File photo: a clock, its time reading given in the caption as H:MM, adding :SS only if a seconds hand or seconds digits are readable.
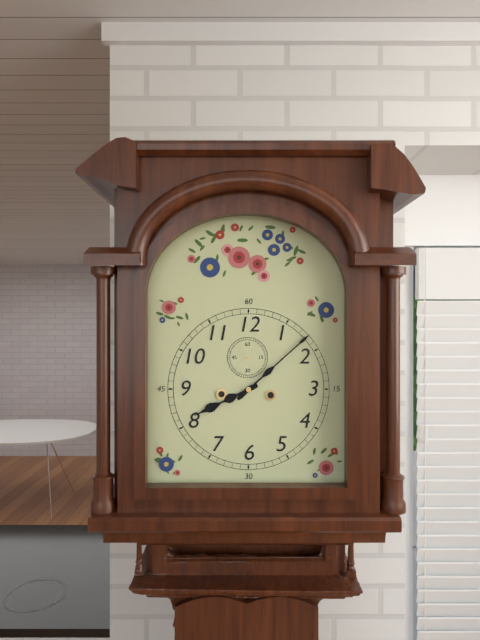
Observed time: 8:08
